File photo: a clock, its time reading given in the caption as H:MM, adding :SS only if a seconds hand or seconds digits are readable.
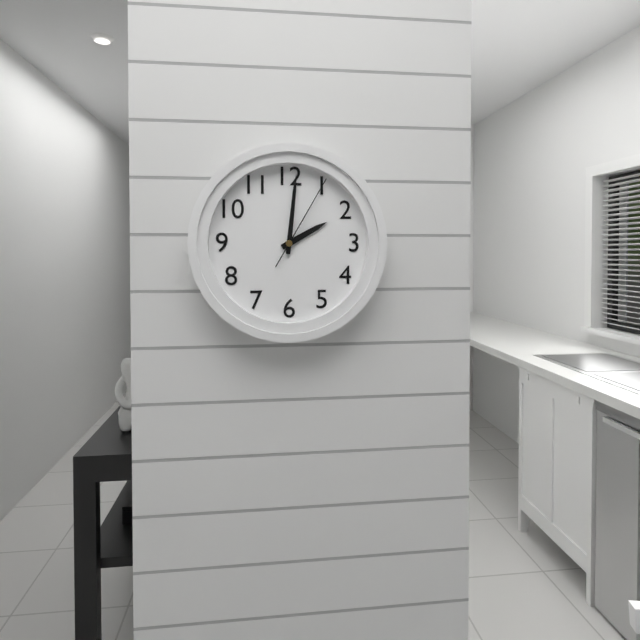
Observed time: 2:01:05
